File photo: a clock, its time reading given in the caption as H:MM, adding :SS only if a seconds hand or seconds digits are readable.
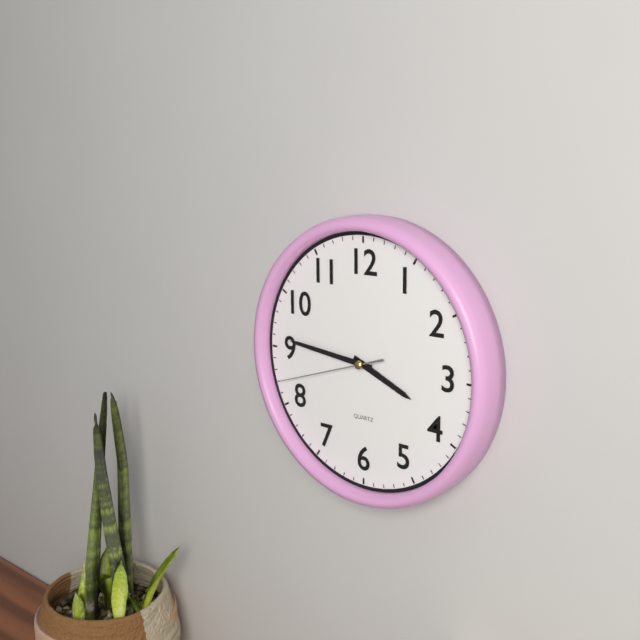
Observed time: 3:46:42
